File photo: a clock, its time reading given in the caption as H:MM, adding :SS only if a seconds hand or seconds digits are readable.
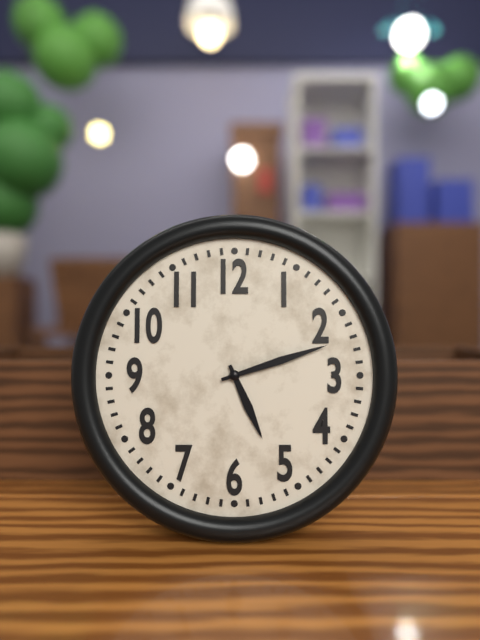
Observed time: 5:12
